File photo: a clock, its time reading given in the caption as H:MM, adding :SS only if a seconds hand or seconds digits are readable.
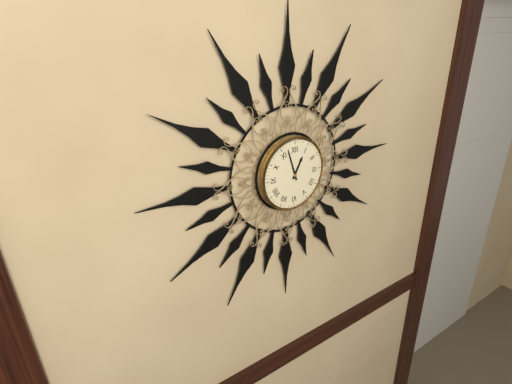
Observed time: 12:57
